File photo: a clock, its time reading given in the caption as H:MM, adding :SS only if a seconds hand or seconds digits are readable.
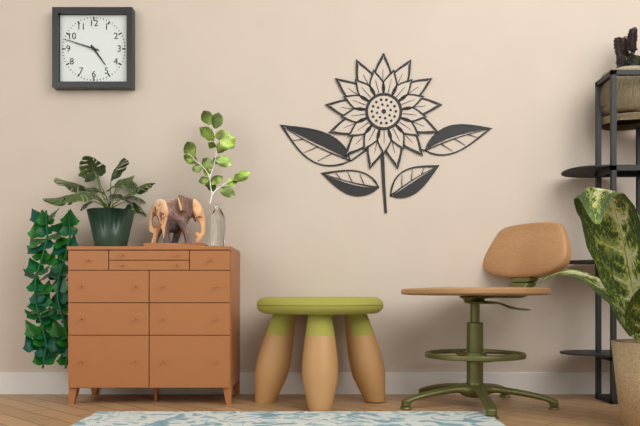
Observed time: 4:48
